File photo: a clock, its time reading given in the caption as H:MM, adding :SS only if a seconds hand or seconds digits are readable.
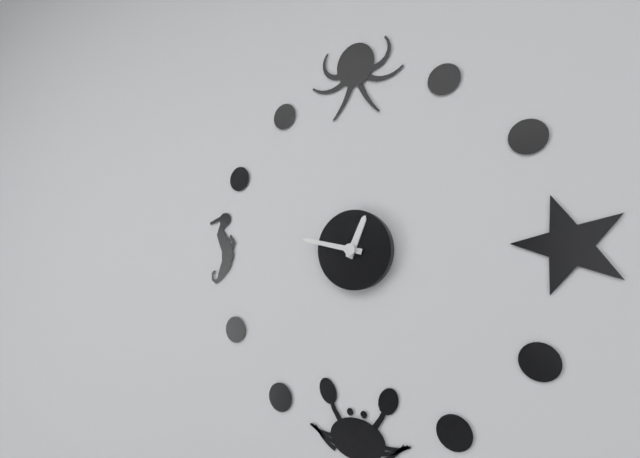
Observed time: 12:47
